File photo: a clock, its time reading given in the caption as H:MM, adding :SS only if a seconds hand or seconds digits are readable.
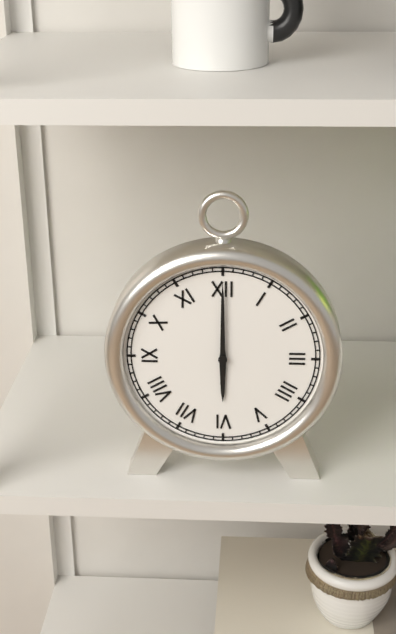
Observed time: 6:00
